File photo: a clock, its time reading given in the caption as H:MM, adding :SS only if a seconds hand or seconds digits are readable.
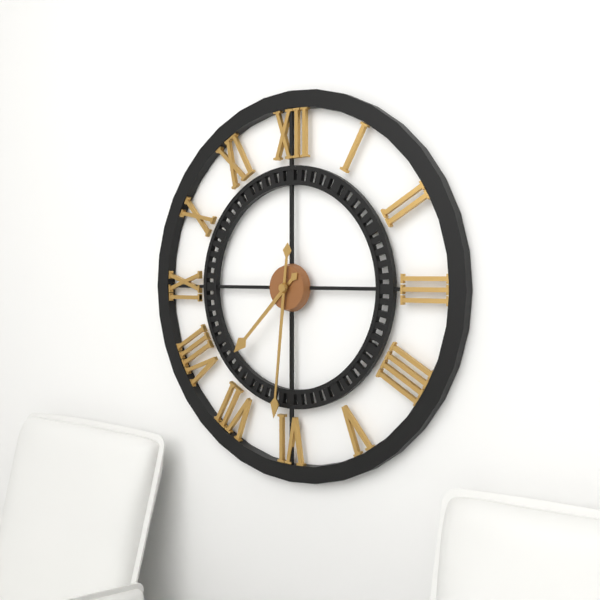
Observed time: 7:31
